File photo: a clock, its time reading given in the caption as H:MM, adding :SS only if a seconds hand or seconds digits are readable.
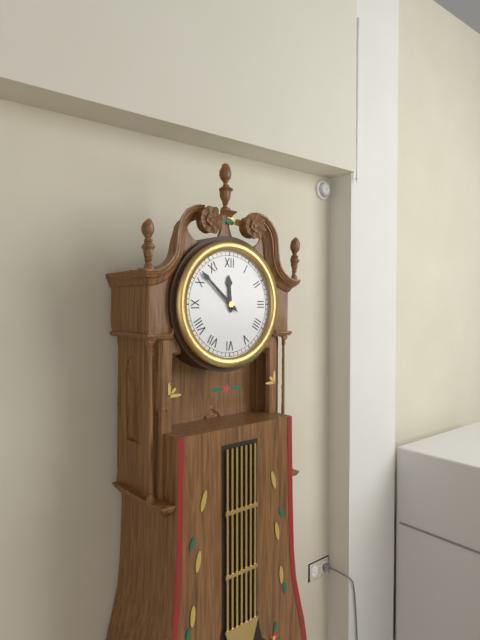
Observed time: 11:52
